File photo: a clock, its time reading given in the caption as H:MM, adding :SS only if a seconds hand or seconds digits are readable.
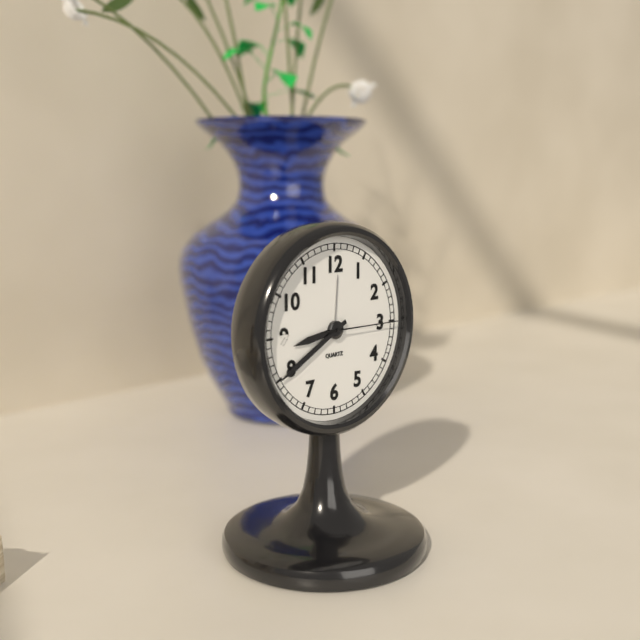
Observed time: 8:40:15
